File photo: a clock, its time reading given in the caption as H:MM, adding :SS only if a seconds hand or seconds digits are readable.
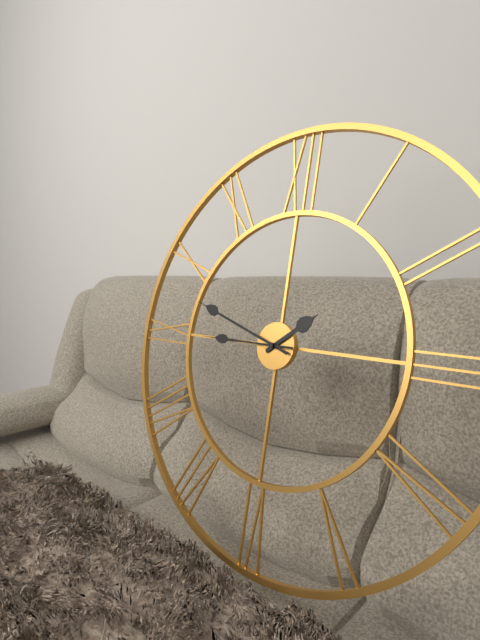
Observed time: 1:48:45
